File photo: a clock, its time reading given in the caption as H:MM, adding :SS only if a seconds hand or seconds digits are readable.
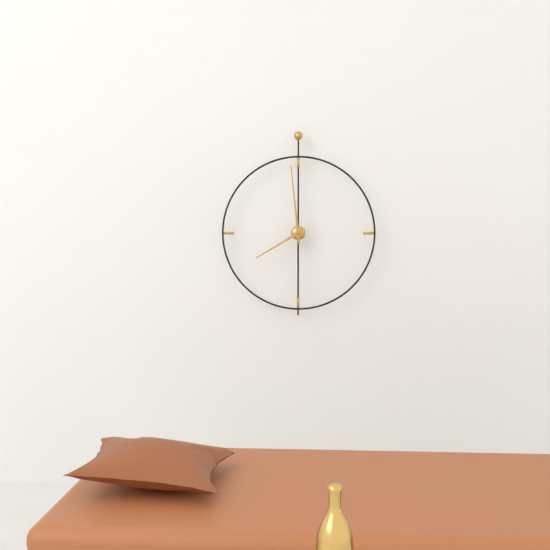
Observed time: 7:59
